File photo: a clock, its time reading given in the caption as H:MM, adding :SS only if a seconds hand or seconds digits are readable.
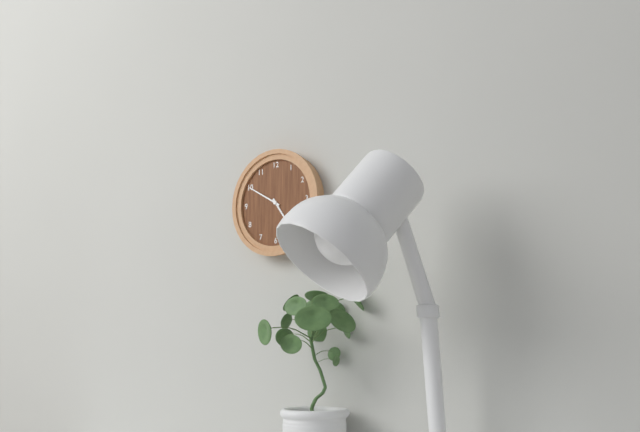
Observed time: 4:50
